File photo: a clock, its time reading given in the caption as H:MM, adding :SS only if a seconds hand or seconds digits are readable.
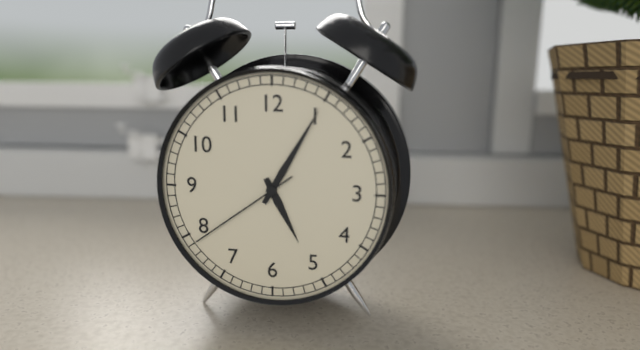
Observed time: 5:05:39
